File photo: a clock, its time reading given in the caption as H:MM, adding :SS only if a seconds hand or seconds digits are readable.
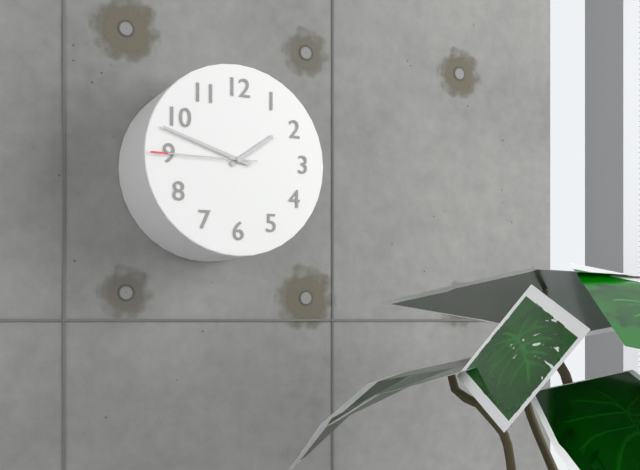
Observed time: 1:48:45
